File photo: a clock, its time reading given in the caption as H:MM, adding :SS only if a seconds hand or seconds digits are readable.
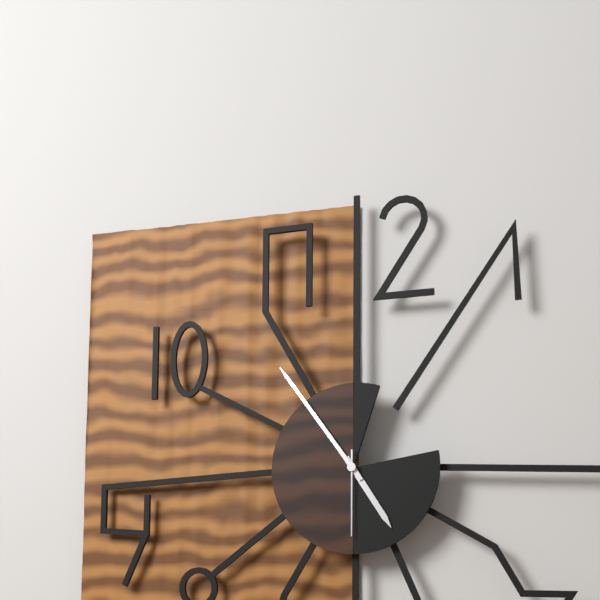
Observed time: 4:54:30
